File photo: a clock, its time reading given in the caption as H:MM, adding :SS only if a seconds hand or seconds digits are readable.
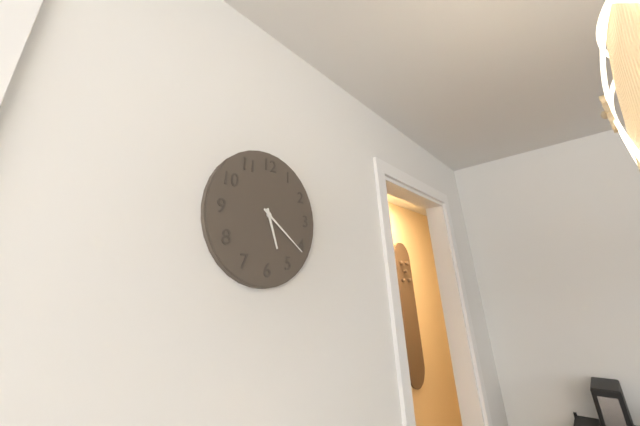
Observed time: 5:21
